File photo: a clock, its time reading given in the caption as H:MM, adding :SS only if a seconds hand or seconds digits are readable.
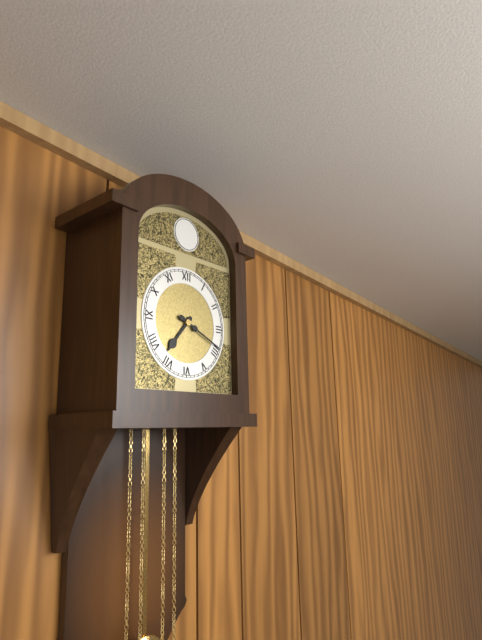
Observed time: 7:19
